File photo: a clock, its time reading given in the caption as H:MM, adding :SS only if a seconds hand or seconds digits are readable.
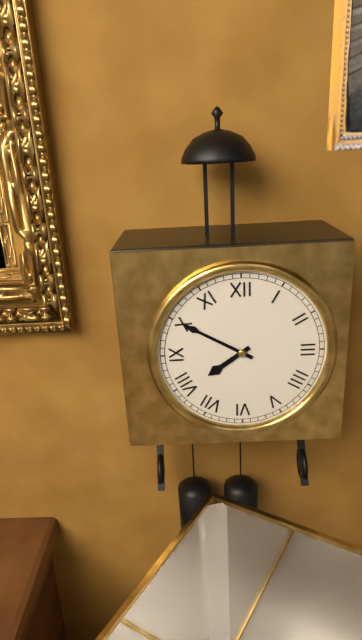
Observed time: 7:50
